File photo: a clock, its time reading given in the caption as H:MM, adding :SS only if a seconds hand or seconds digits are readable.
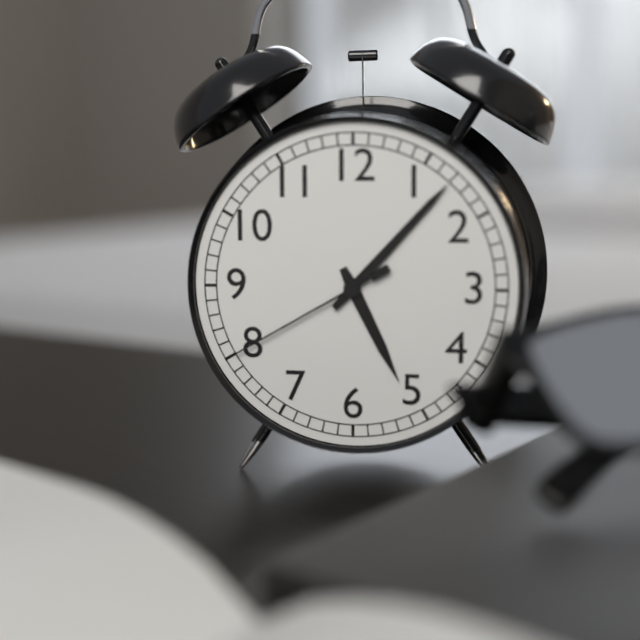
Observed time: 5:07:40
